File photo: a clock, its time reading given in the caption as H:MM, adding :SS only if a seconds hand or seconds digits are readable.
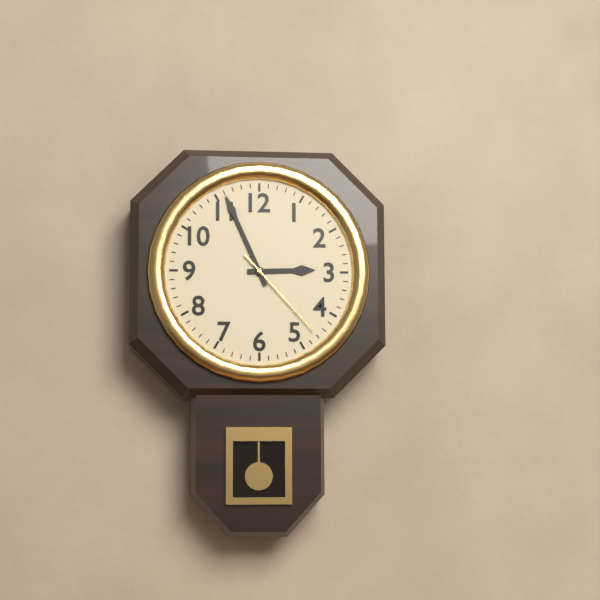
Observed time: 2:56:23
